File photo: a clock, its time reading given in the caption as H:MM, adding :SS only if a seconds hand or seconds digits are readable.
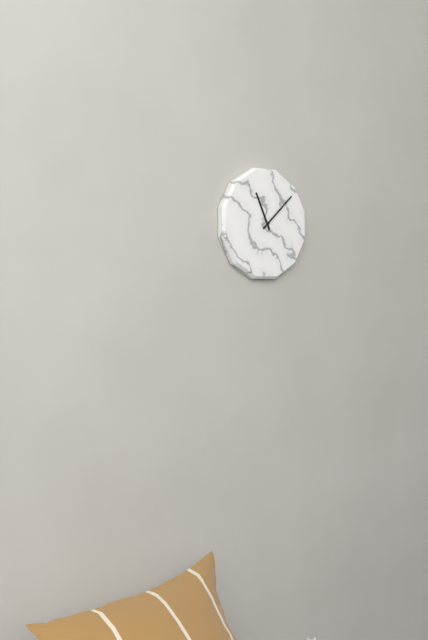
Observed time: 11:08
